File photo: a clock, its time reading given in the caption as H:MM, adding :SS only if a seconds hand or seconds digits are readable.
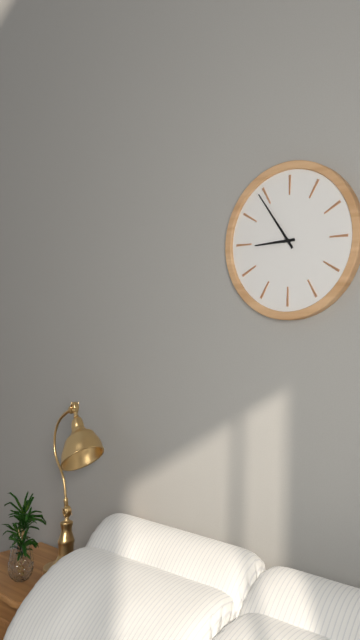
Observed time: 8:54
